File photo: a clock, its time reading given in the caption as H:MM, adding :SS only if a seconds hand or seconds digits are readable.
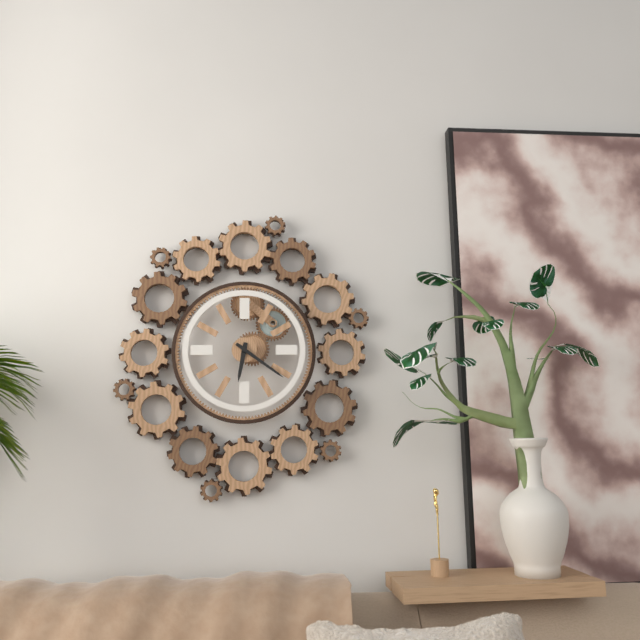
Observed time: 6:21
